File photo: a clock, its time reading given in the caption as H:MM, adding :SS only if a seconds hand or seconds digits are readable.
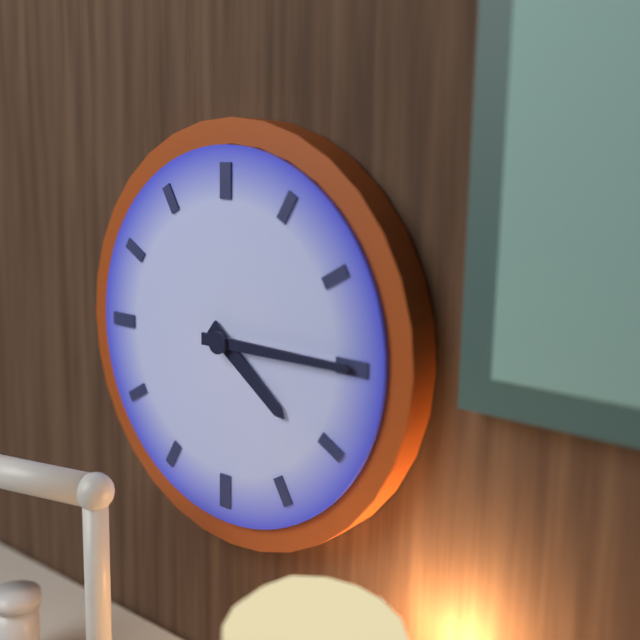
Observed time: 4:15
